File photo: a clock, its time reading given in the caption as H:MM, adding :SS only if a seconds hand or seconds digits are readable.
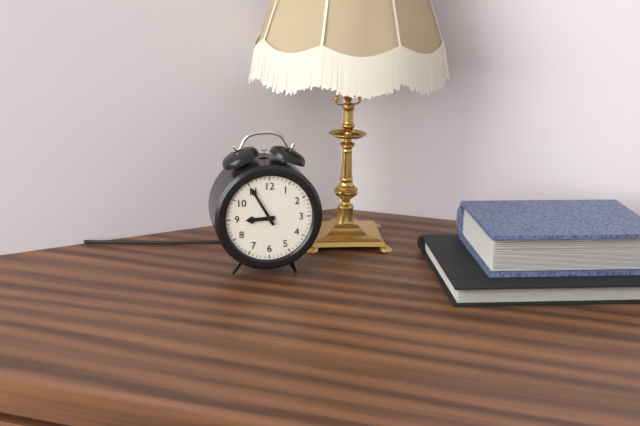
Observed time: 8:55
